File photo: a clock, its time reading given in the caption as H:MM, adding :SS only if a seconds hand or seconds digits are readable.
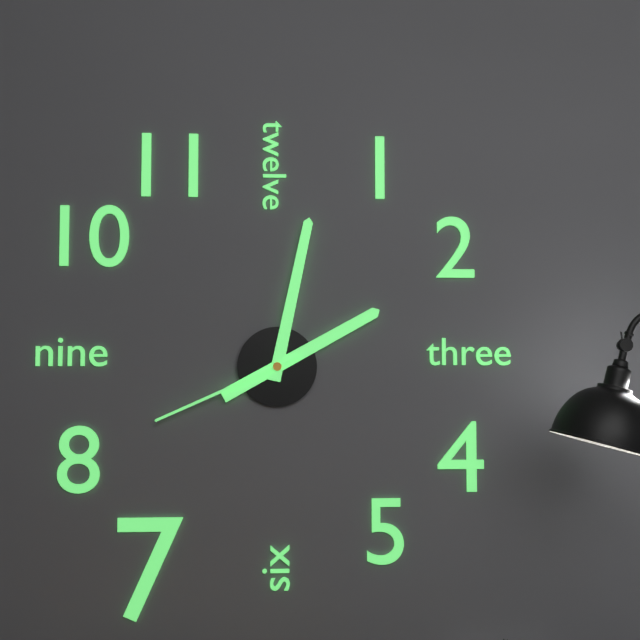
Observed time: 2:02:41
